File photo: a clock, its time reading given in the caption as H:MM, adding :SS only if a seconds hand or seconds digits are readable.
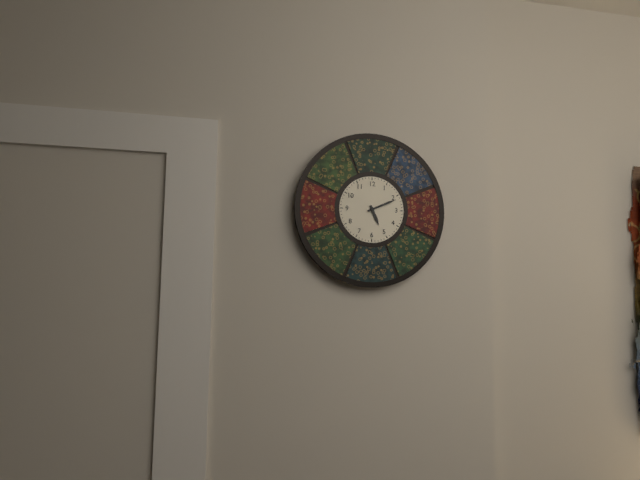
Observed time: 5:11
